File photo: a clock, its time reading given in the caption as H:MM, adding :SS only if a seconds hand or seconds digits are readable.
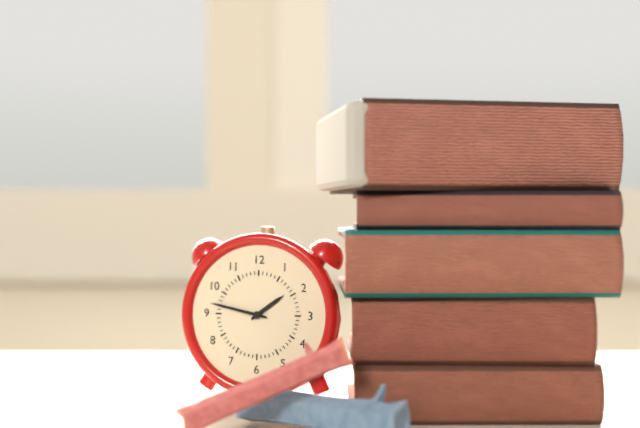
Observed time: 1:47
